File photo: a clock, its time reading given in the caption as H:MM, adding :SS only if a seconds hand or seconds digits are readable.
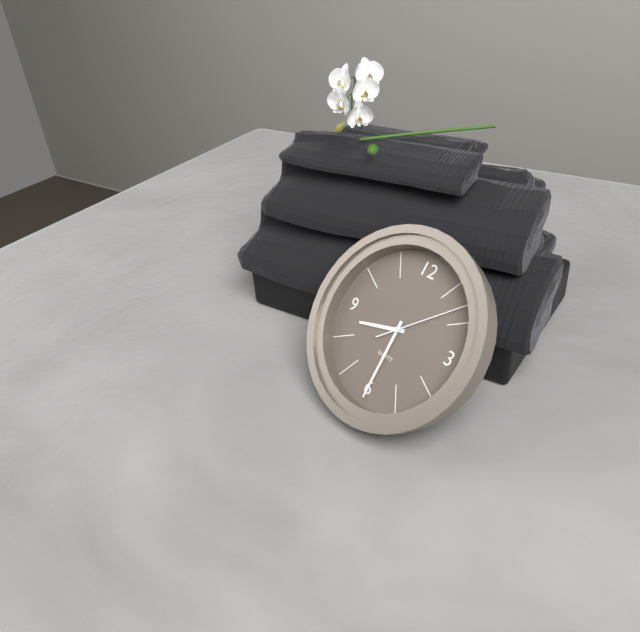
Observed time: 8:30:08
